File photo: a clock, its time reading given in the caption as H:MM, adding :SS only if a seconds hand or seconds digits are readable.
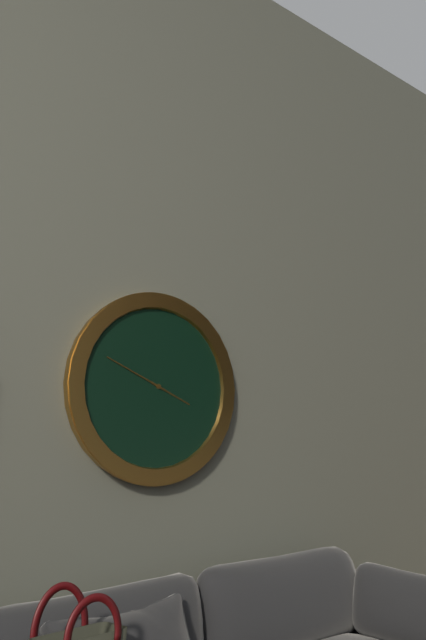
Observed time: 3:49
